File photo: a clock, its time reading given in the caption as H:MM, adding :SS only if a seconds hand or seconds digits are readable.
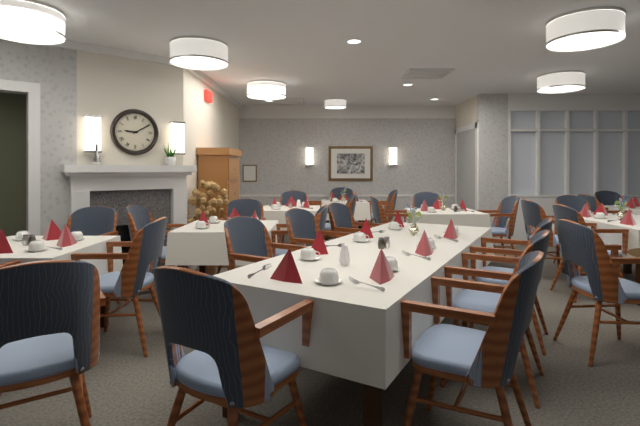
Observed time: 9:10
